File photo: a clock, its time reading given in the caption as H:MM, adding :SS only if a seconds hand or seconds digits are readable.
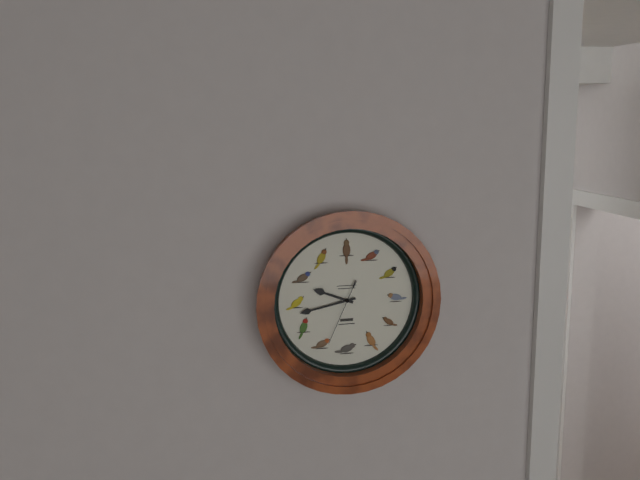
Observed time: 9:43:34
